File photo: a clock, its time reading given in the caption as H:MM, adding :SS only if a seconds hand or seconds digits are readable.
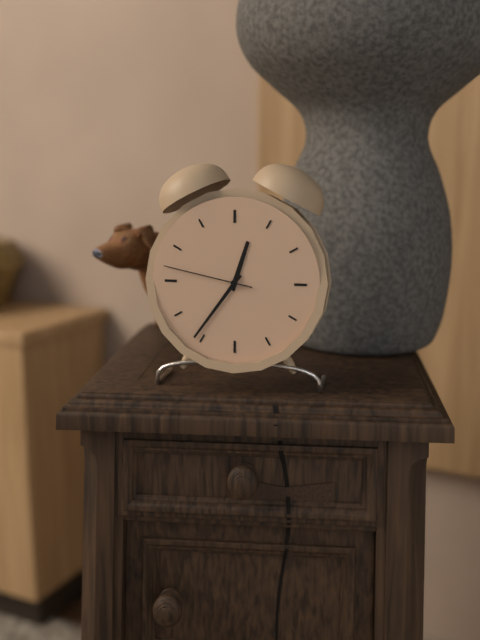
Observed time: 12:36:47
